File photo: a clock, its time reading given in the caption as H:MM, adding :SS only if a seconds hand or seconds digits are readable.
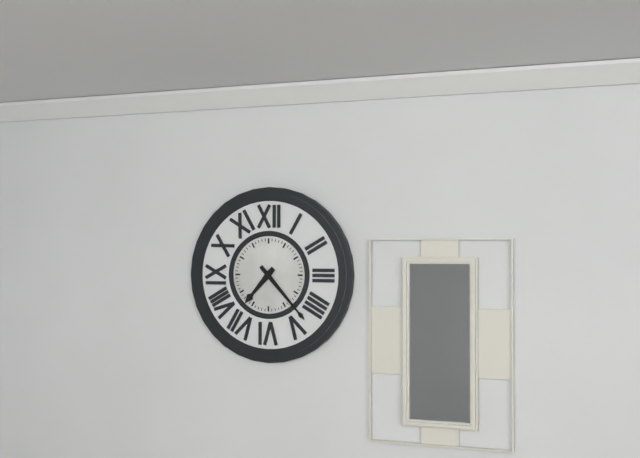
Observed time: 7:23
